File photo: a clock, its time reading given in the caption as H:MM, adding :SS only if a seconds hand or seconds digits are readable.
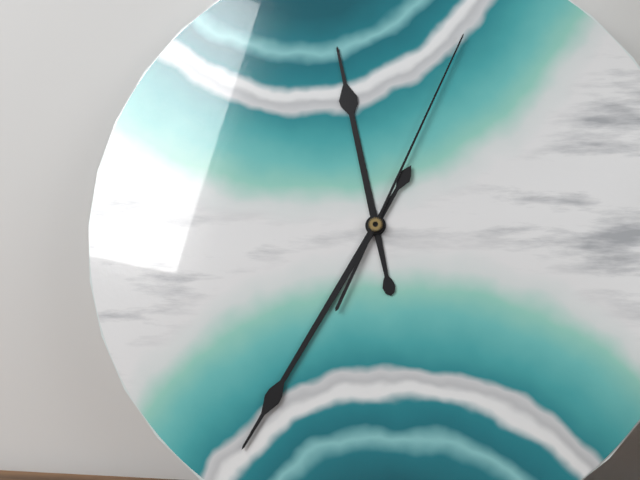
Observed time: 11:35:04
